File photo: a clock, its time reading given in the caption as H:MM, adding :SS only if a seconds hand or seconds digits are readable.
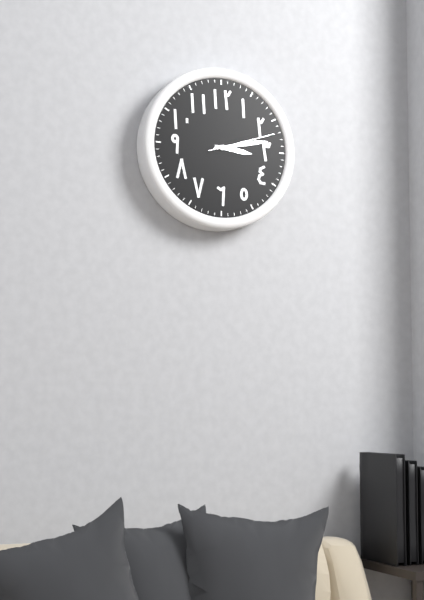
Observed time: 3:13:12
